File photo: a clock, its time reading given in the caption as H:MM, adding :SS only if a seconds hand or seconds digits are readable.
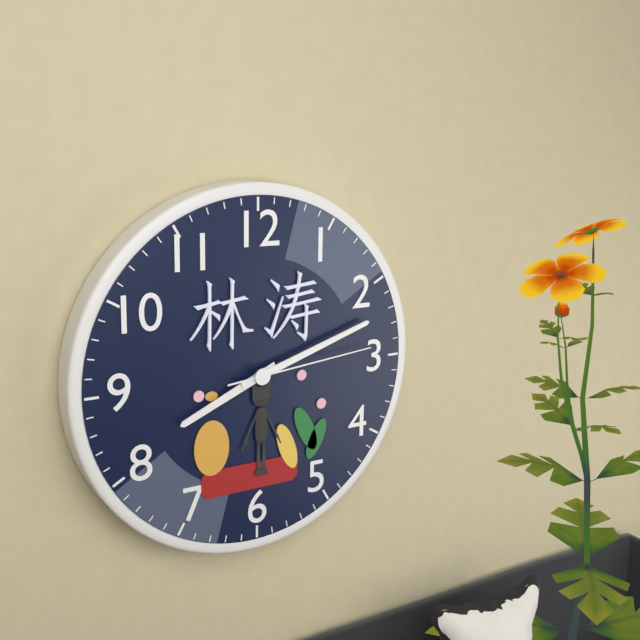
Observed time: 8:12:14
